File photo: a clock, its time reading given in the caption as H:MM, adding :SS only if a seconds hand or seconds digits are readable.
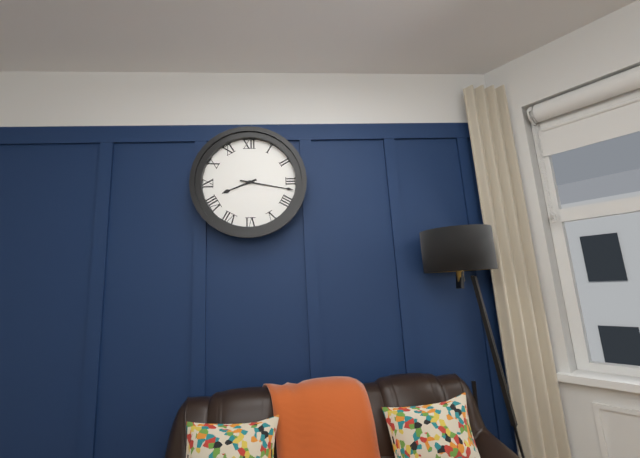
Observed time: 8:17
